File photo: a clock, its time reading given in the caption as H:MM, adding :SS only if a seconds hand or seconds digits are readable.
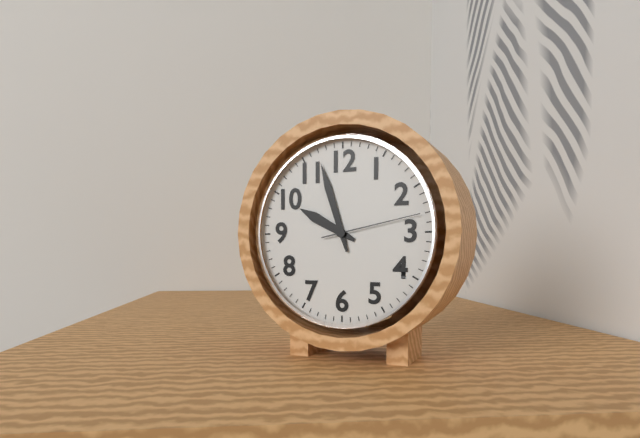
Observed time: 9:57:13
